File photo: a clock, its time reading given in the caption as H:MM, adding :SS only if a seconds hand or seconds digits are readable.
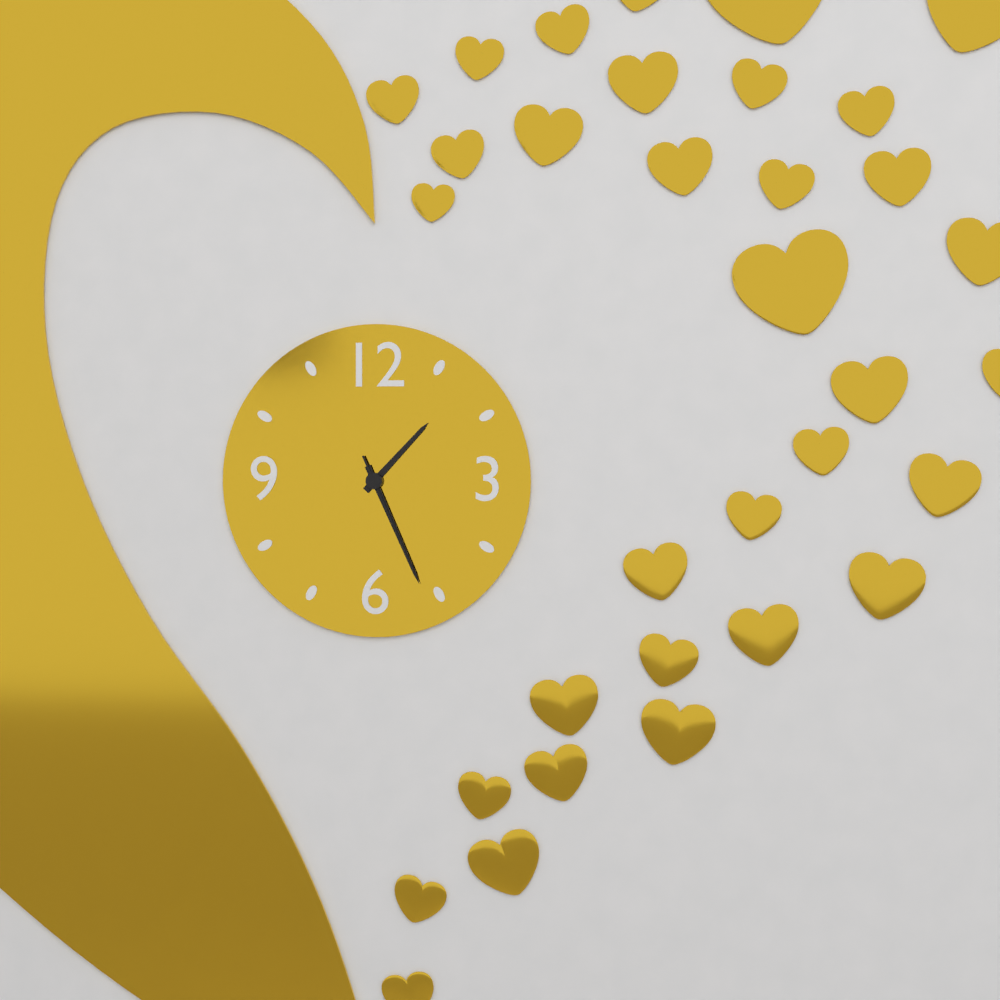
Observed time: 1:26:26
